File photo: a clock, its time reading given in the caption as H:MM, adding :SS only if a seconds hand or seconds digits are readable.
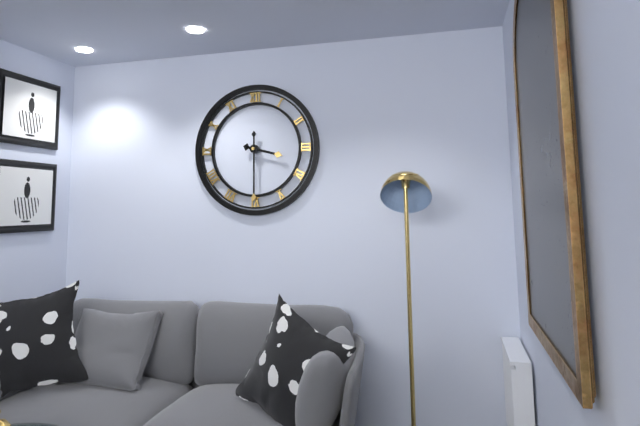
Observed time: 3:30
